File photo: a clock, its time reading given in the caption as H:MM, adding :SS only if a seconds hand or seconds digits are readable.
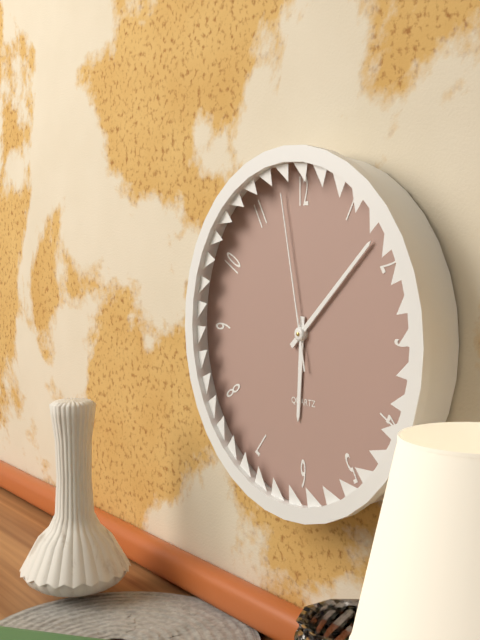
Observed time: 6:08:58
